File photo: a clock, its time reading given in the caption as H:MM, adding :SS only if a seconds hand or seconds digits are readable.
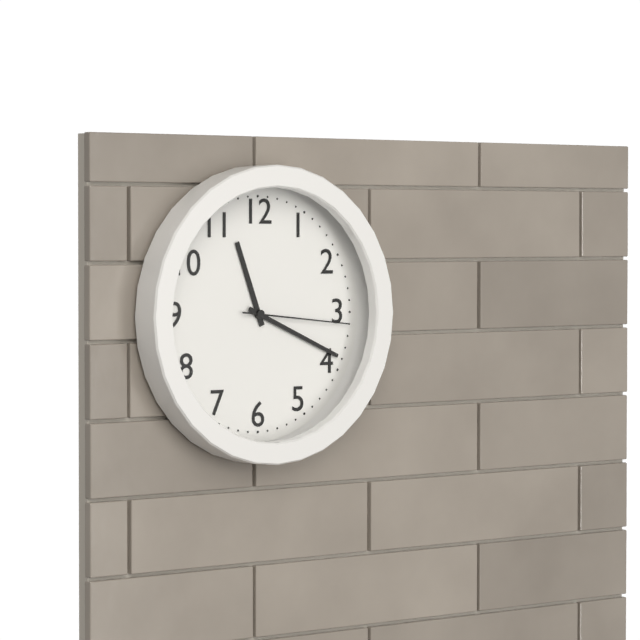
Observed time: 11:19:16
